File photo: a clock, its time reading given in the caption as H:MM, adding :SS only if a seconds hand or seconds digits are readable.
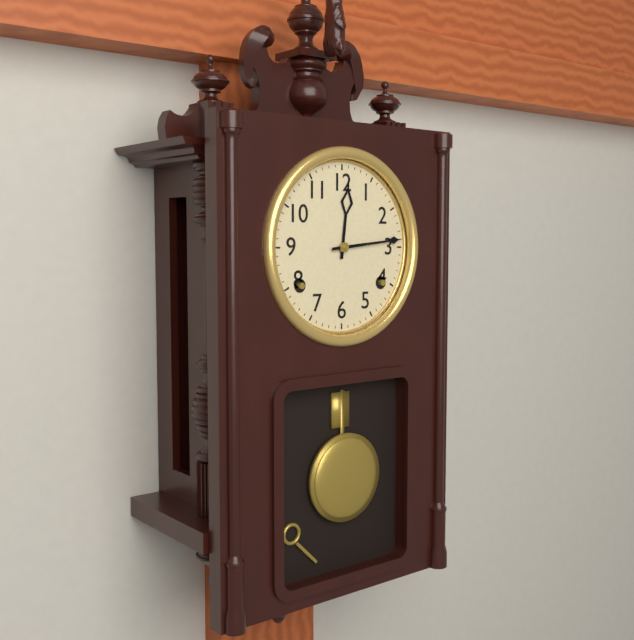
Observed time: 12:14
